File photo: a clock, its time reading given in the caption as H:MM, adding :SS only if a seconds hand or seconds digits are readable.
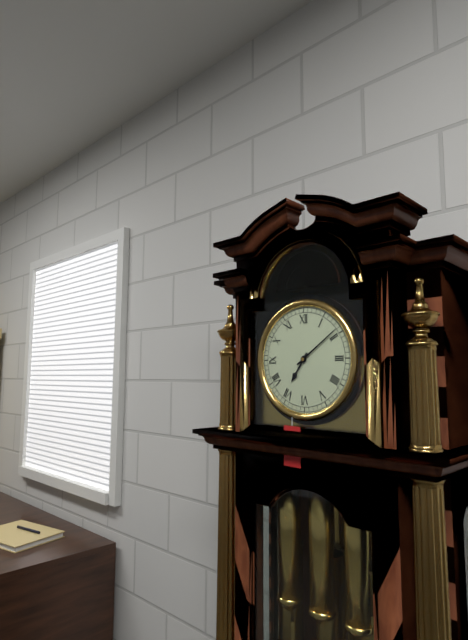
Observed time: 7:09
